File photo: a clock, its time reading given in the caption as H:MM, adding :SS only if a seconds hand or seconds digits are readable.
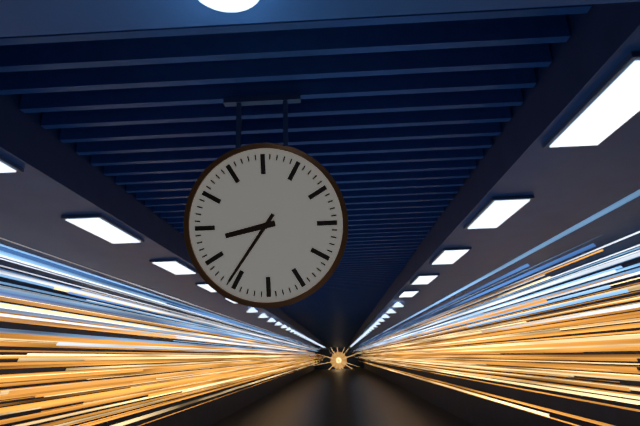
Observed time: 8:36
